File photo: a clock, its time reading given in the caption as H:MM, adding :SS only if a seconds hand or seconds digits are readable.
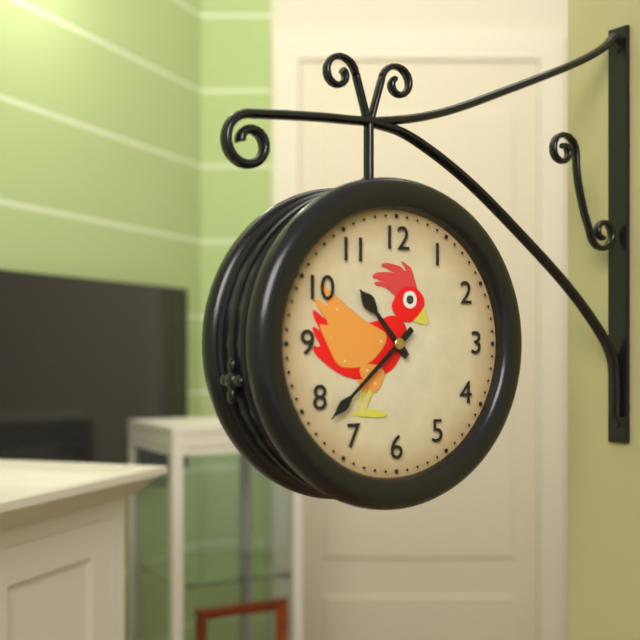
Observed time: 10:38
